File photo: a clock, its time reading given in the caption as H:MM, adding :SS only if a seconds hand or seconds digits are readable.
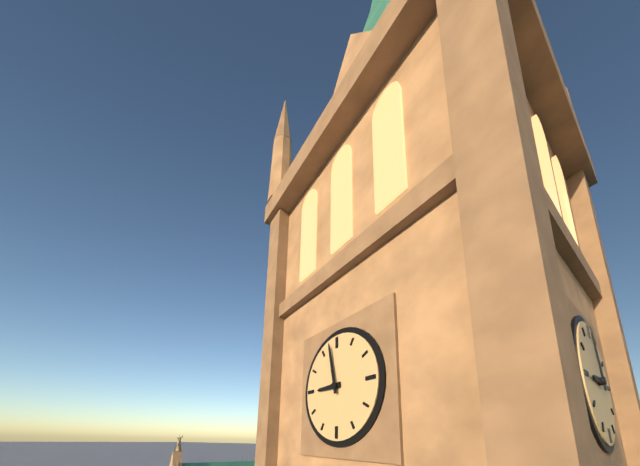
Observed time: 8:58
